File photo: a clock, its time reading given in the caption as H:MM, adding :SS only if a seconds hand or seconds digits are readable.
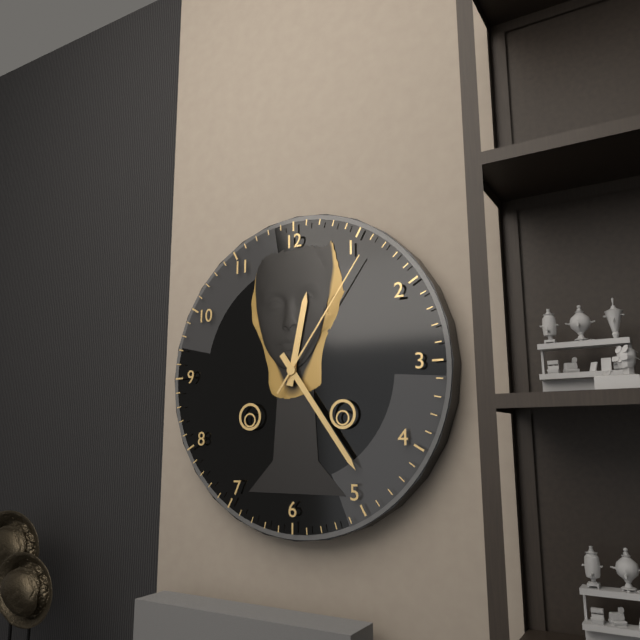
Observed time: 12:24:06
